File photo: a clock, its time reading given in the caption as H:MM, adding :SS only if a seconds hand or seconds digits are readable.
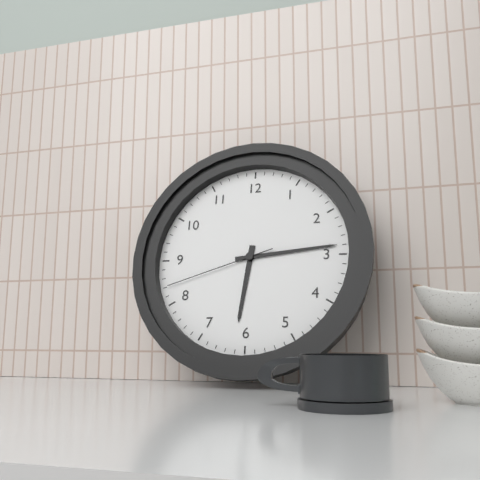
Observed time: 6:14:42
